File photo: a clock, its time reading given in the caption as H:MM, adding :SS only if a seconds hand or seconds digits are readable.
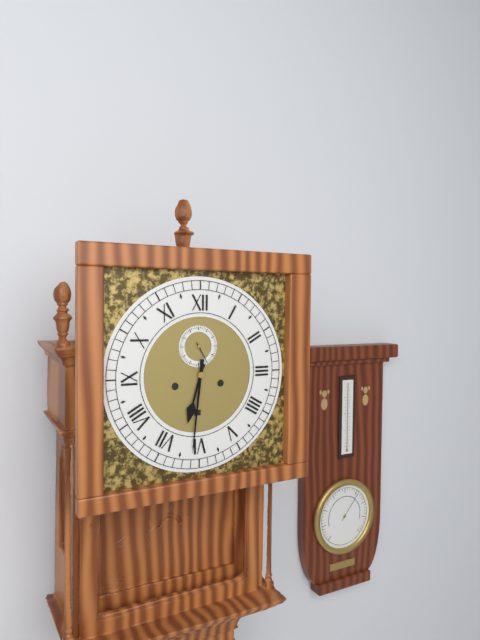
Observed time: 6:31
